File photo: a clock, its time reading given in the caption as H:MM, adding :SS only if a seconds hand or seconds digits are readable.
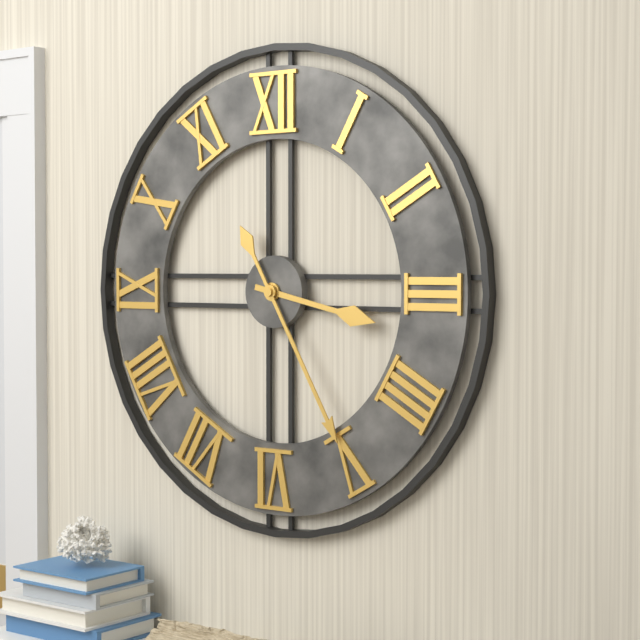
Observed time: 3:25
